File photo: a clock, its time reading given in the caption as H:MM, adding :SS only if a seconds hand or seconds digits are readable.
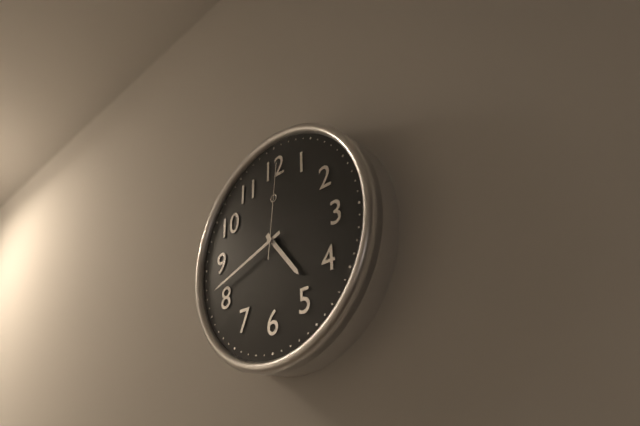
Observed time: 4:42:01
